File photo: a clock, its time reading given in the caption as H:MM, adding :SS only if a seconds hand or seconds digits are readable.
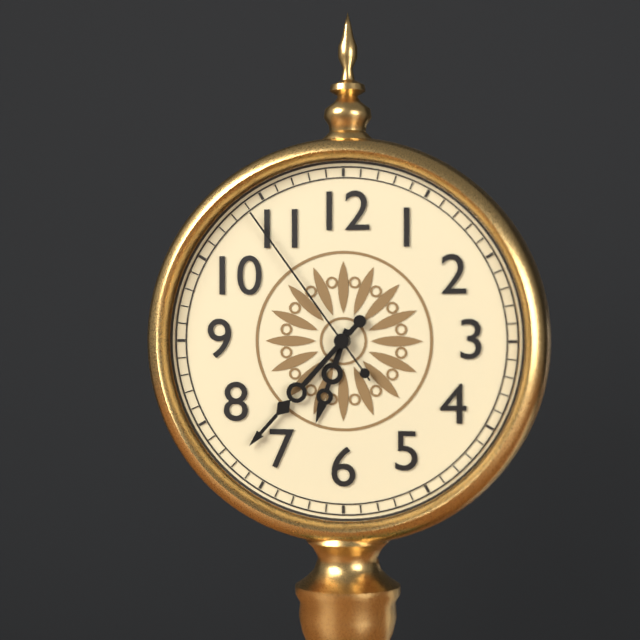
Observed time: 6:37:54
